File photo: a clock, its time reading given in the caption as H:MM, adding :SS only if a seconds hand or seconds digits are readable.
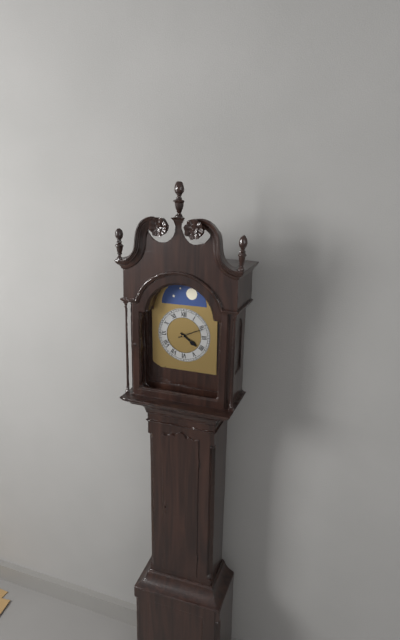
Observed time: 4:11
